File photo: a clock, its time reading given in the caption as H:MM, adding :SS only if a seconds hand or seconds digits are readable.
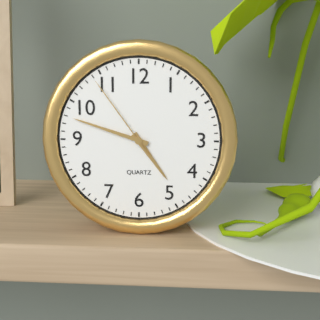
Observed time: 4:48:54
